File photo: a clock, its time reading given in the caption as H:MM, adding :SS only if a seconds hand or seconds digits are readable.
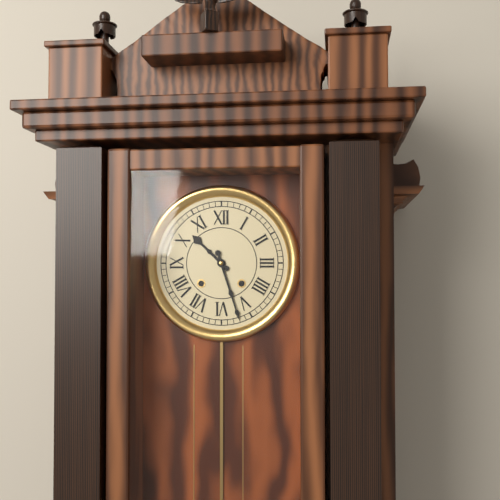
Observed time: 10:27
